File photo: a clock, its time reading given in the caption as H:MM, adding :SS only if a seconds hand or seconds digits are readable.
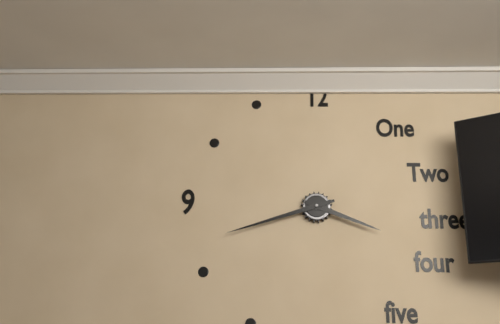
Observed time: 3:42
